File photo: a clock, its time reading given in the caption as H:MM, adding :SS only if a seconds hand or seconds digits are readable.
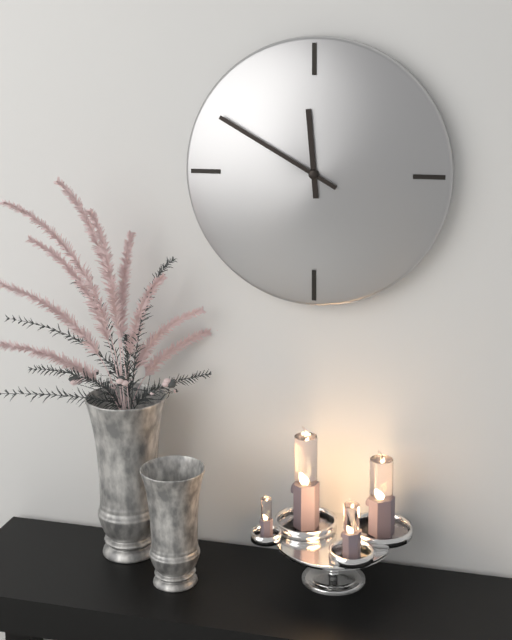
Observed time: 11:50
